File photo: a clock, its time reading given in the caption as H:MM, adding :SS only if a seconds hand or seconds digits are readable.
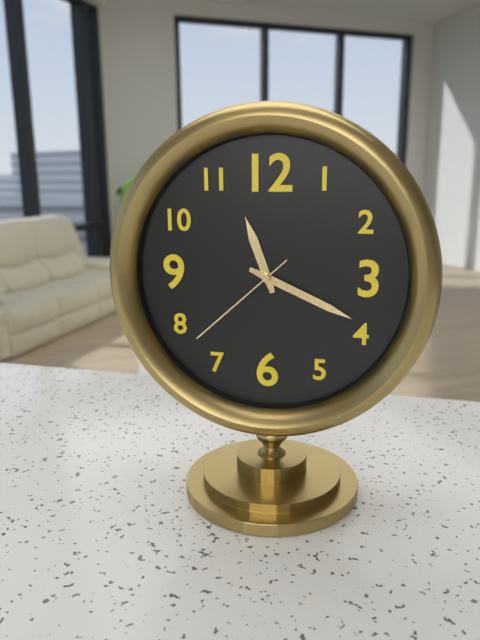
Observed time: 11:19:38
